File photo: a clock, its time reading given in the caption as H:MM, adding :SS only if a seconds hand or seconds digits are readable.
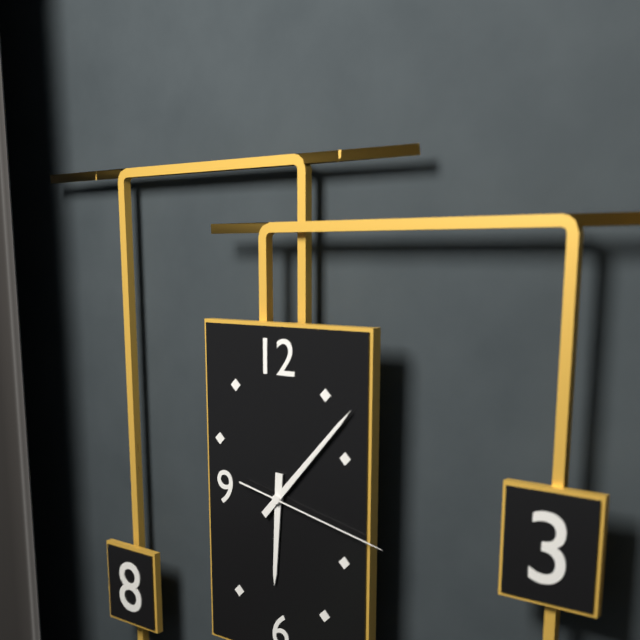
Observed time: 6:07:17
